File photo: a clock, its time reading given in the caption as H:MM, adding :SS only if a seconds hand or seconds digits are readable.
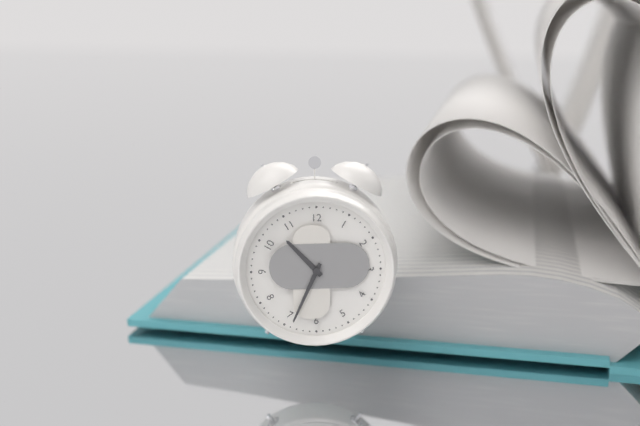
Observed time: 10:34
